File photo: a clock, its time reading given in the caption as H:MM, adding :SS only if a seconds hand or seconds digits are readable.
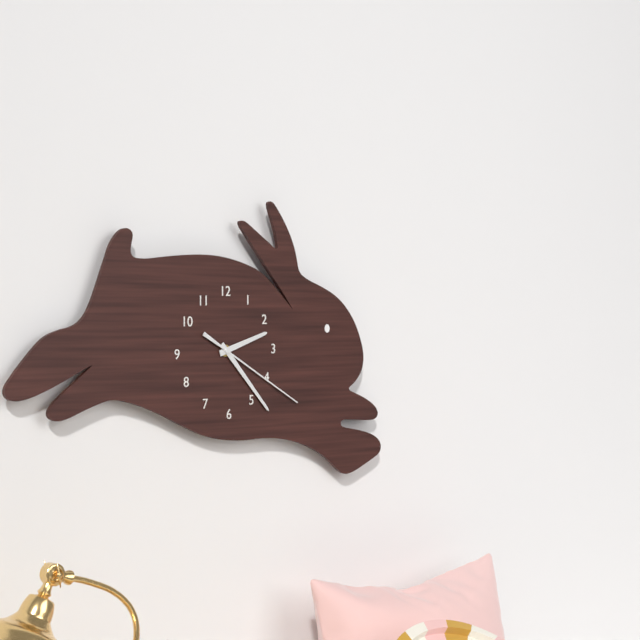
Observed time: 2:23:20
